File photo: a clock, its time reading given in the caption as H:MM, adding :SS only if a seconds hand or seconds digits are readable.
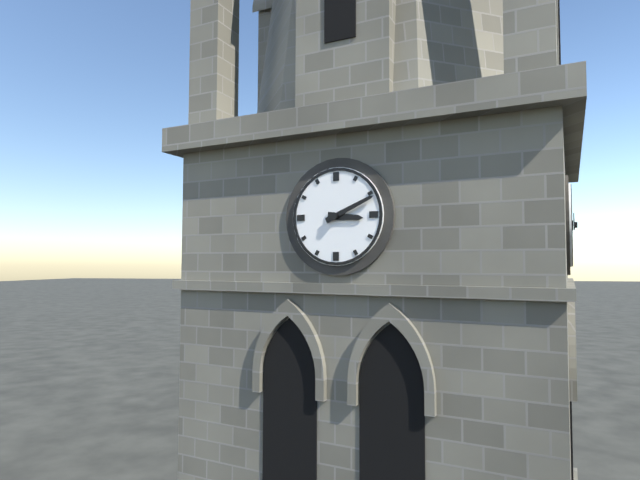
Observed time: 3:11
